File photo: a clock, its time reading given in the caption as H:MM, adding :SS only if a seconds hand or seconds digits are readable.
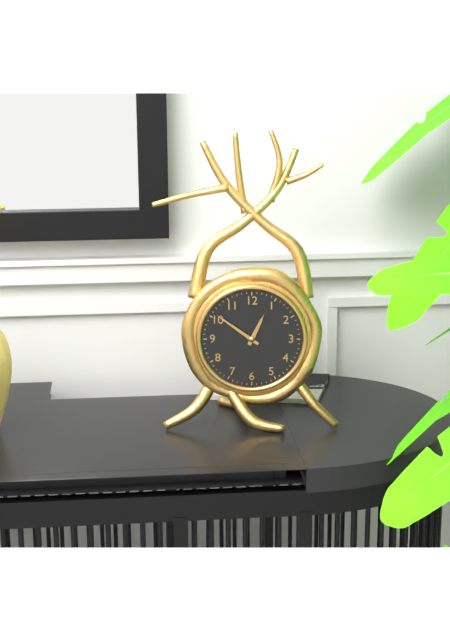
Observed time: 12:51
